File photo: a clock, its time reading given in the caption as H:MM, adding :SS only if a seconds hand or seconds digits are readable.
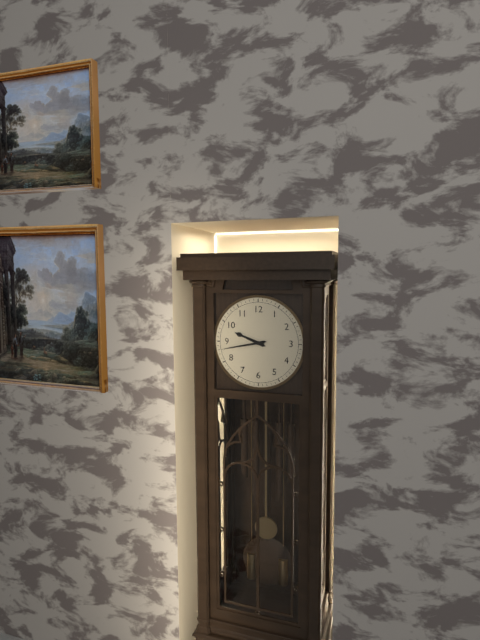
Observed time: 9:43
